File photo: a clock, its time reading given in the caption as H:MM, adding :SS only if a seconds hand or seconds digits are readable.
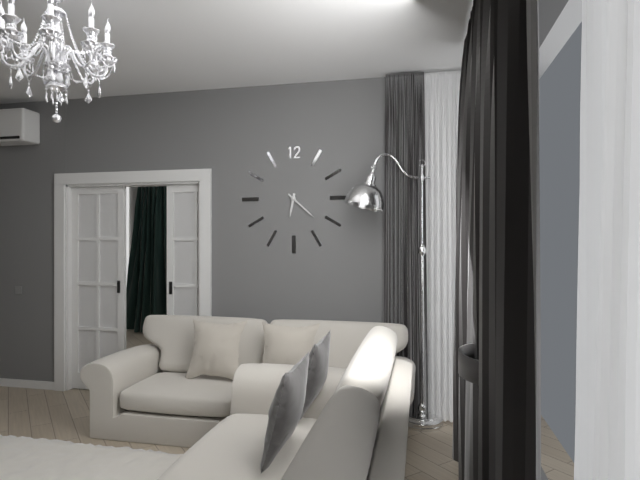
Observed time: 6:22
